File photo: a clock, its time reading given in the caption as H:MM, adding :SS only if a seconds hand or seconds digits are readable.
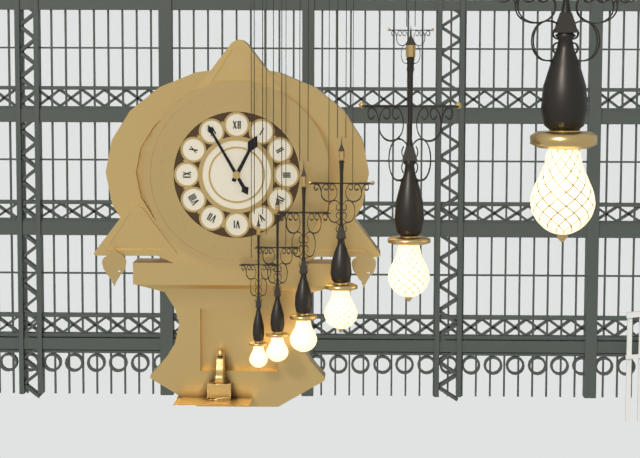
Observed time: 12:55
